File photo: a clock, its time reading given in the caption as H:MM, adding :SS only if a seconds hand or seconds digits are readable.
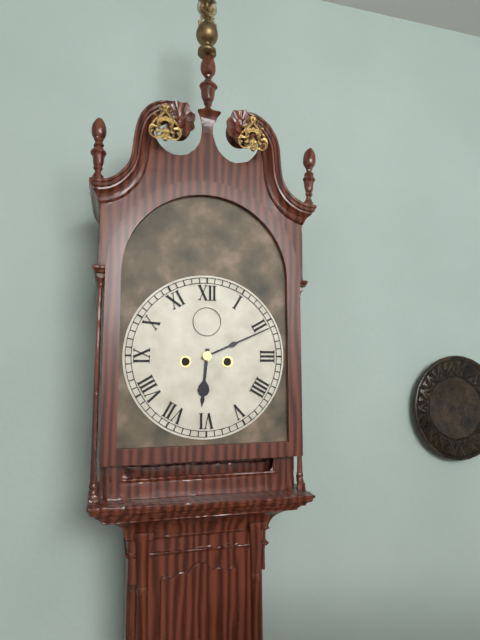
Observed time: 6:11
